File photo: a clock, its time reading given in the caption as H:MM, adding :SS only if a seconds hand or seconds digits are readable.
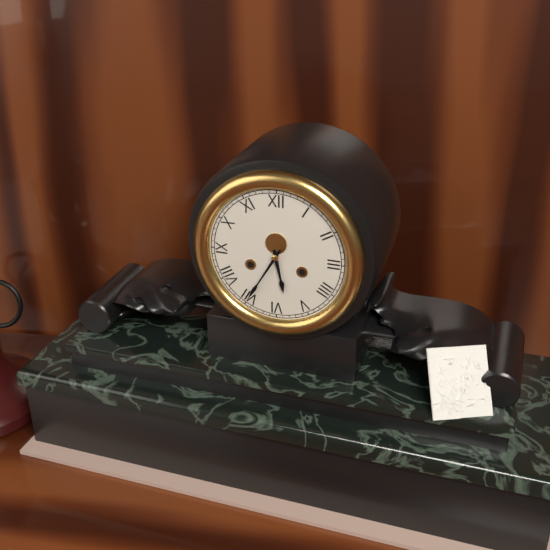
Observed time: 5:35
